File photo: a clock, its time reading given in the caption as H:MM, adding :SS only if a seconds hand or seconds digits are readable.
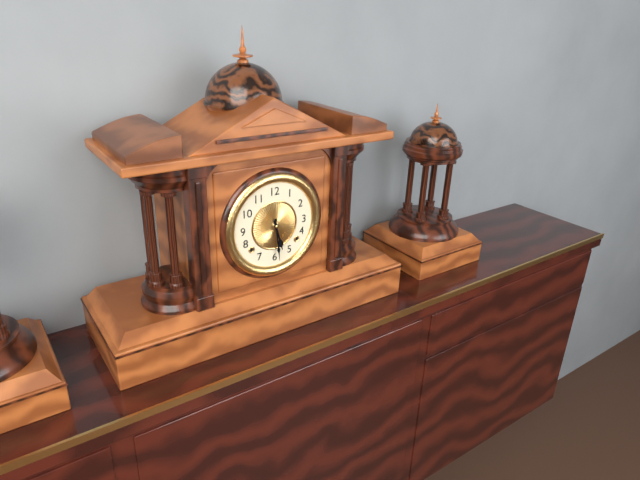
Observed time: 5:29
